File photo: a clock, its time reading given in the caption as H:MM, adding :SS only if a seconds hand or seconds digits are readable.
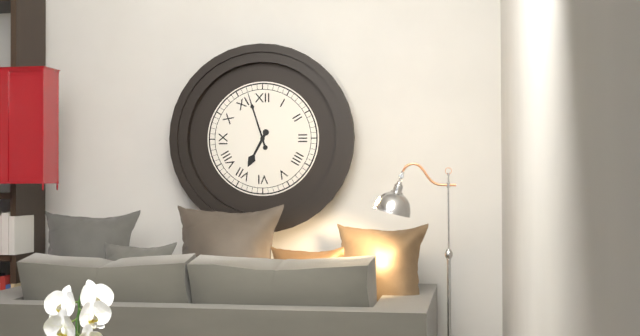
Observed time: 6:57
